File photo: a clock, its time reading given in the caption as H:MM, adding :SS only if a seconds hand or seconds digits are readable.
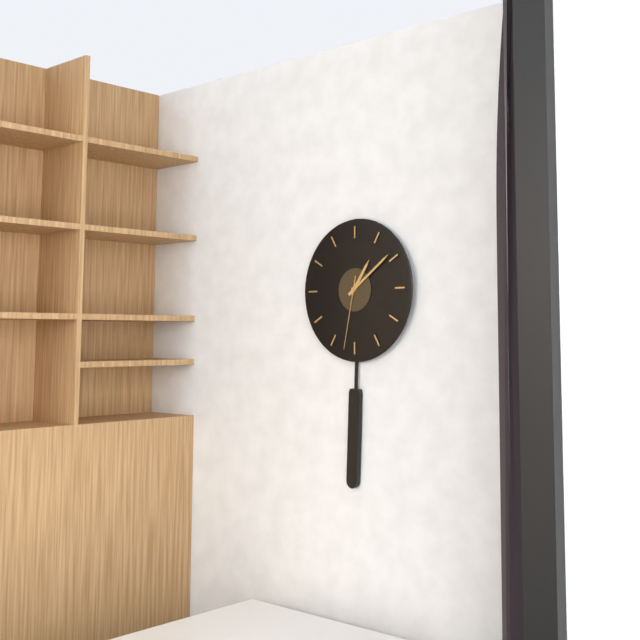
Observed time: 1:09:32
